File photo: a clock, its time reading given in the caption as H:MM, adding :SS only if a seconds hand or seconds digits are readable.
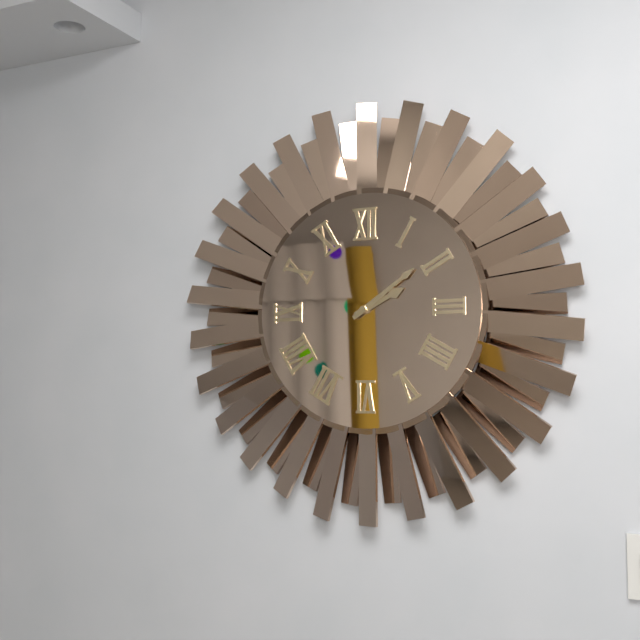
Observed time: 2:09
